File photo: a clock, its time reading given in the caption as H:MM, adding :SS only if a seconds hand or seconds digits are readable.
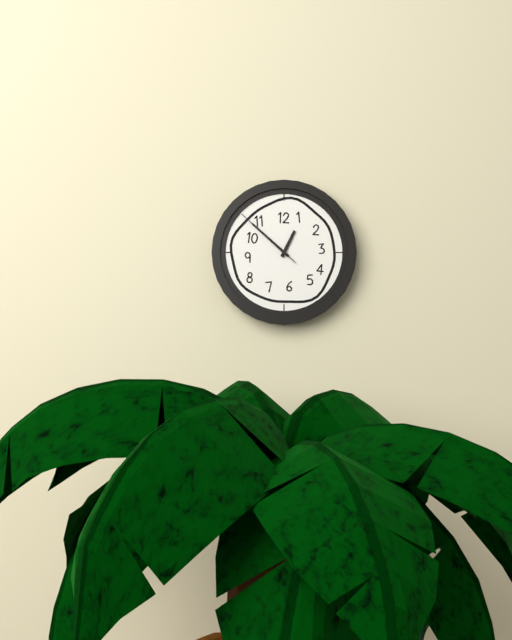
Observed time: 12:52:52
